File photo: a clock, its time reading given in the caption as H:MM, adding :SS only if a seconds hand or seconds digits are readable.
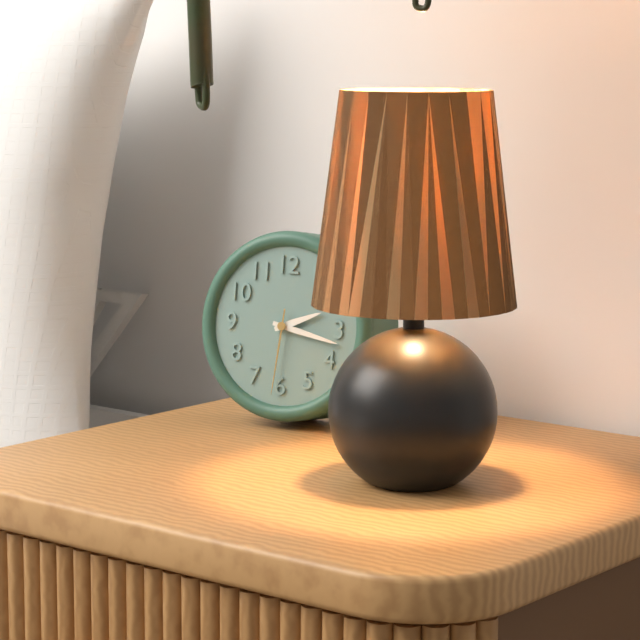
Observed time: 2:17:31
